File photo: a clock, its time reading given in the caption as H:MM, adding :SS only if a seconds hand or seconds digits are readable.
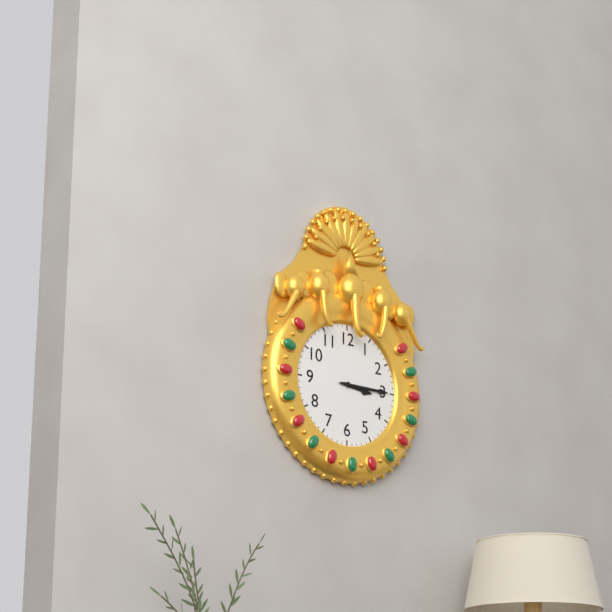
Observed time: 3:15
